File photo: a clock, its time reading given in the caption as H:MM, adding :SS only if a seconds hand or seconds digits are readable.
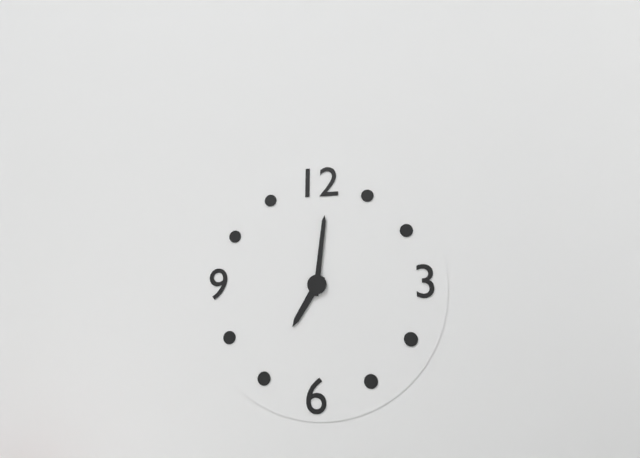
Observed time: 7:01
